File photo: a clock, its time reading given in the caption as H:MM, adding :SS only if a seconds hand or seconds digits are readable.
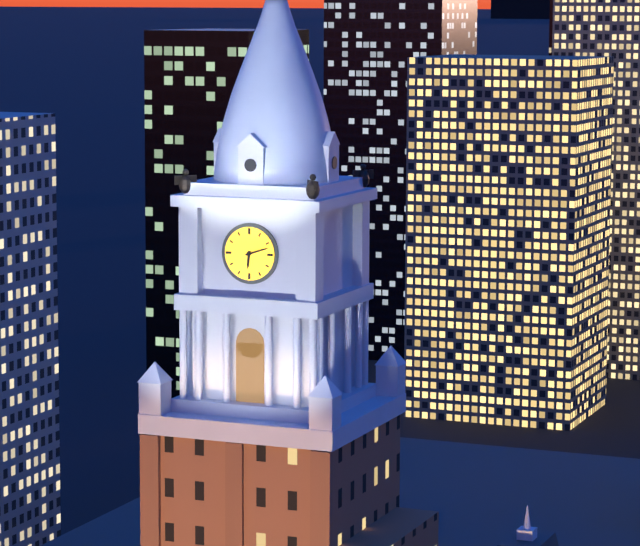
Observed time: 6:12
